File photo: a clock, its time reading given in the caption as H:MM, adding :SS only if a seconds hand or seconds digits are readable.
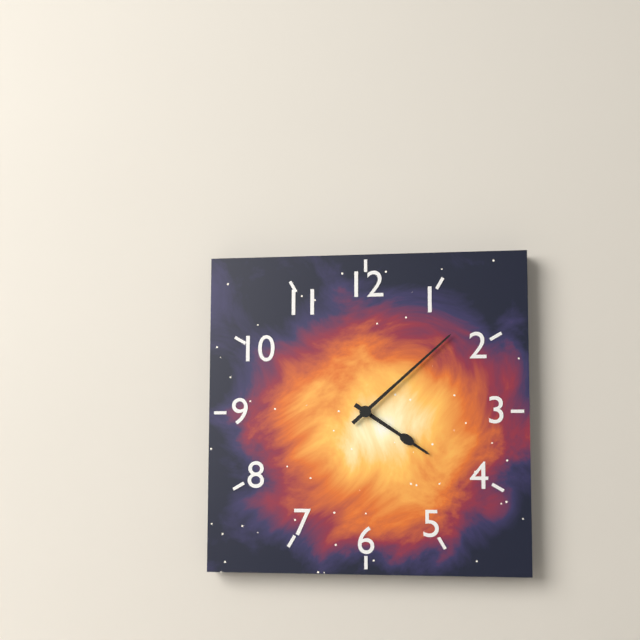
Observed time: 4:08
